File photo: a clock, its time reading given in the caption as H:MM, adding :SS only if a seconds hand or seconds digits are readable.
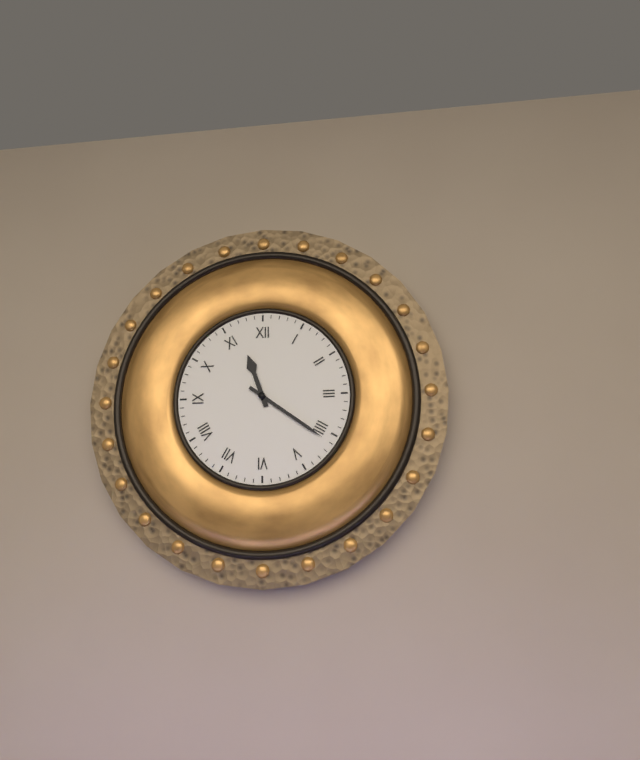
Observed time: 11:21
